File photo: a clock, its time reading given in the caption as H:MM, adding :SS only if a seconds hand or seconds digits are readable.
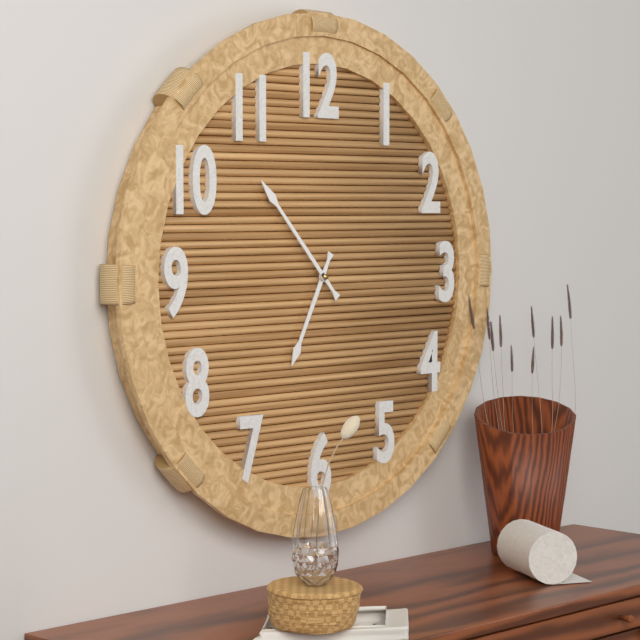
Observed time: 6:53
